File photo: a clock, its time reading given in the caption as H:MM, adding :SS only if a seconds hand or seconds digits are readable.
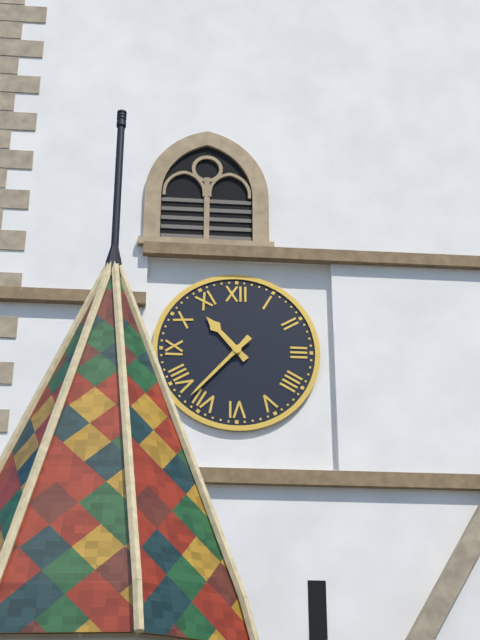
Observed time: 10:37
